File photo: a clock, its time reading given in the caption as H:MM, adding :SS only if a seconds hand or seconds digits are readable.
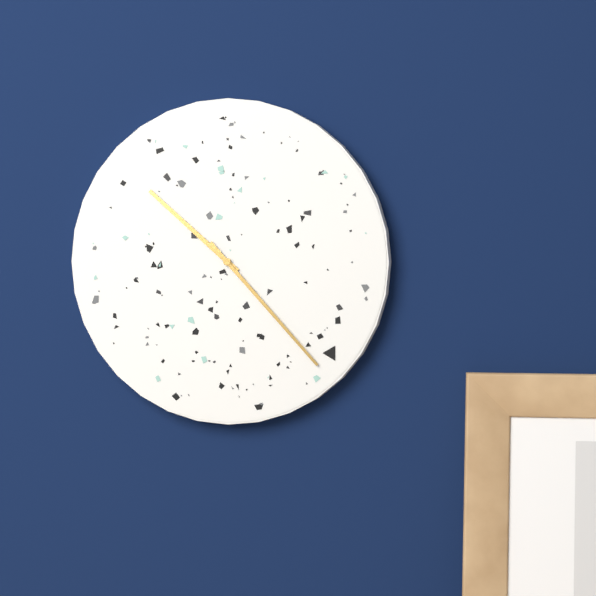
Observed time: 10:23
